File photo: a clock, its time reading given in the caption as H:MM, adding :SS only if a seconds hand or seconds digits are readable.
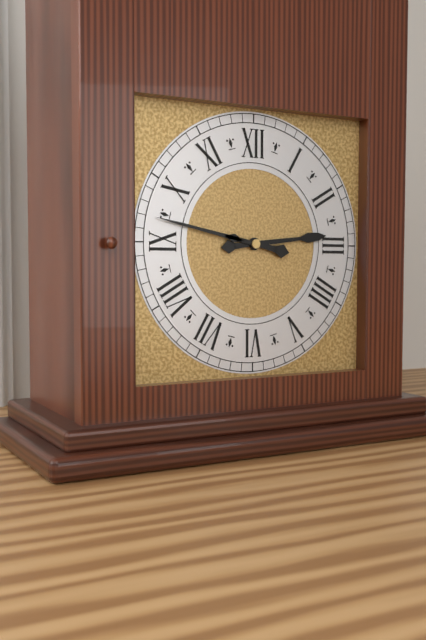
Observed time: 2:47
